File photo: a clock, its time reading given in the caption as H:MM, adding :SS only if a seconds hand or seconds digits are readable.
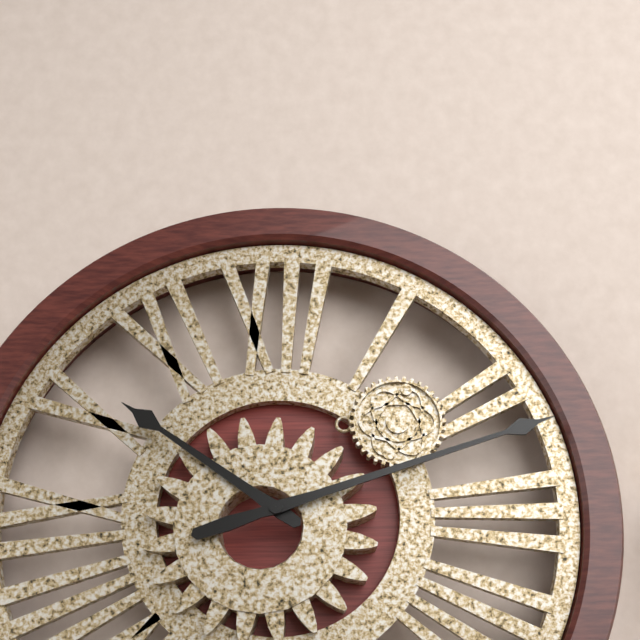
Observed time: 10:12
